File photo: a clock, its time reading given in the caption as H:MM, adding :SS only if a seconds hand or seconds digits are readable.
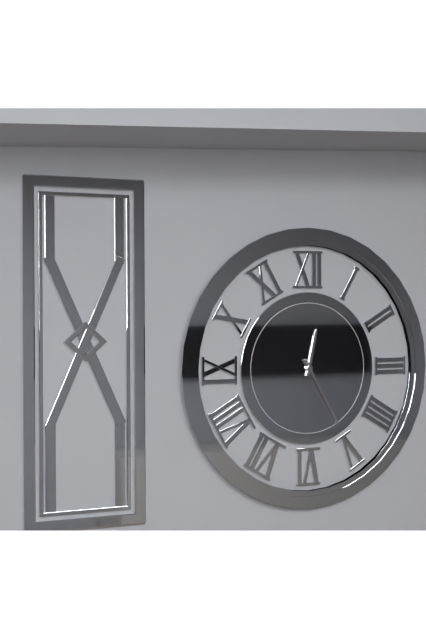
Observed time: 12:25
